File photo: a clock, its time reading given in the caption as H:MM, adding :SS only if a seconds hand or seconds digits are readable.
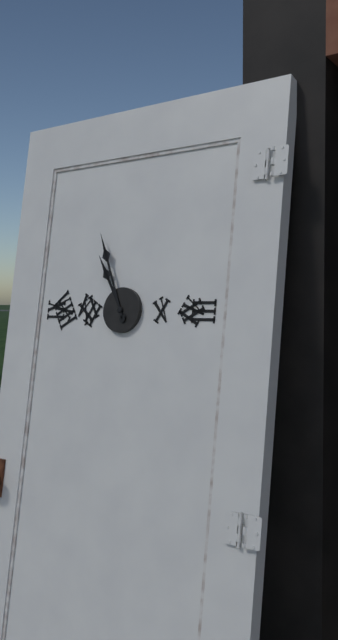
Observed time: 10:56
